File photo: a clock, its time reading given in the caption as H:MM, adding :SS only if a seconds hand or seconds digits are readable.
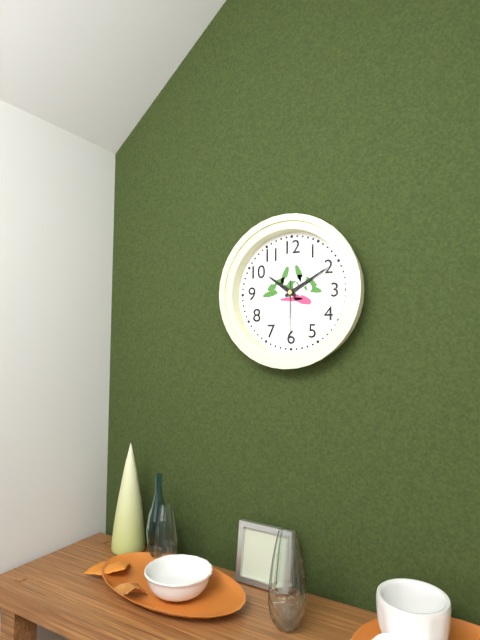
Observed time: 10:10:30
